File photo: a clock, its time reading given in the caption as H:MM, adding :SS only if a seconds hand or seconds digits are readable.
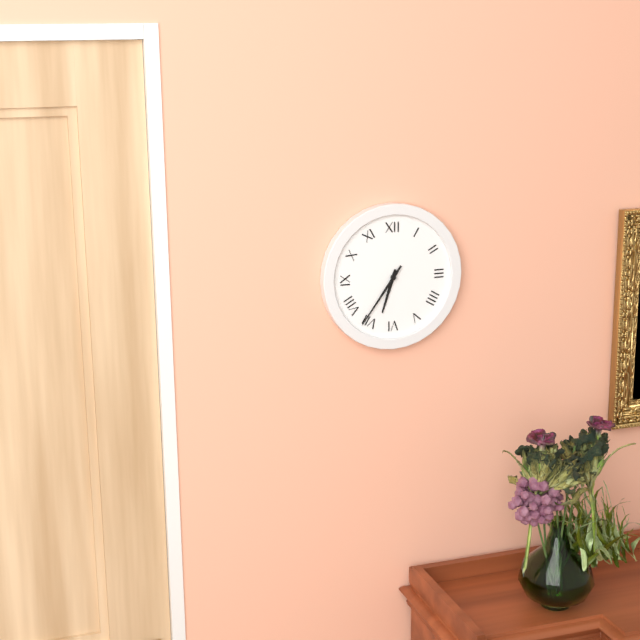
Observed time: 6:36
